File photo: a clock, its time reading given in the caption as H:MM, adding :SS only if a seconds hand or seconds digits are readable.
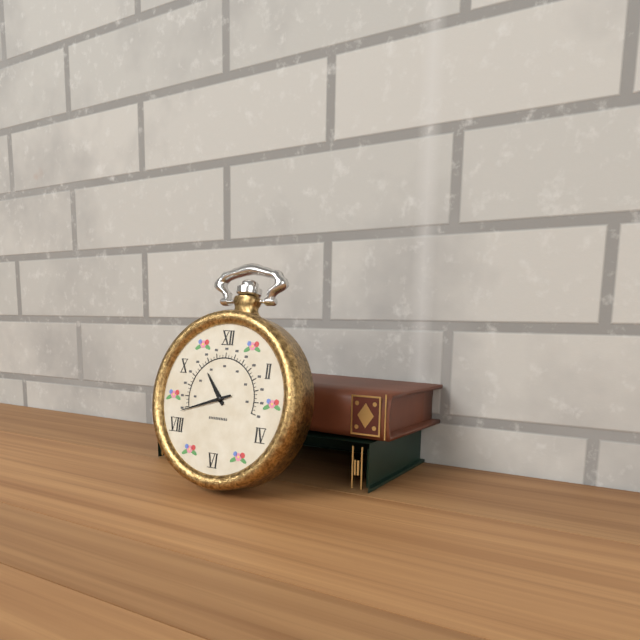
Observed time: 10:42
